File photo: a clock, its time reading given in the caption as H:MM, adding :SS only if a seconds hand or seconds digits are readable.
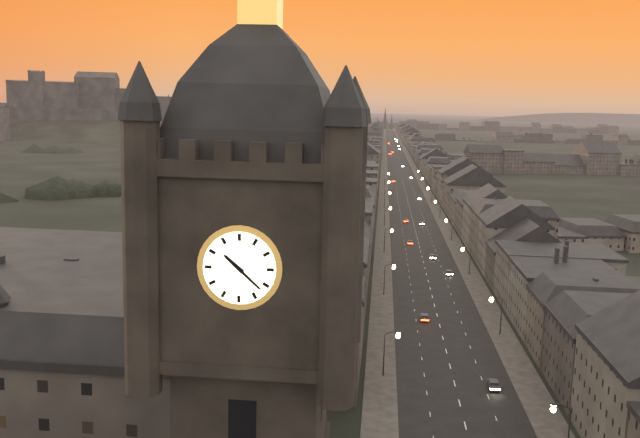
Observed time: 10:22
